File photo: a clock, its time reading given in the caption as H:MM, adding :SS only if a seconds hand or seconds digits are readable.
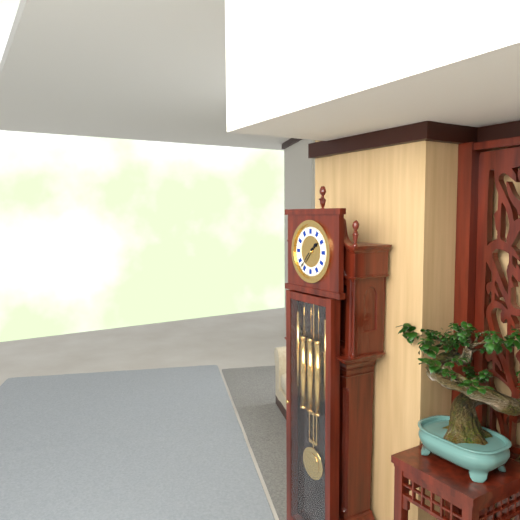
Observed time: 1:37
